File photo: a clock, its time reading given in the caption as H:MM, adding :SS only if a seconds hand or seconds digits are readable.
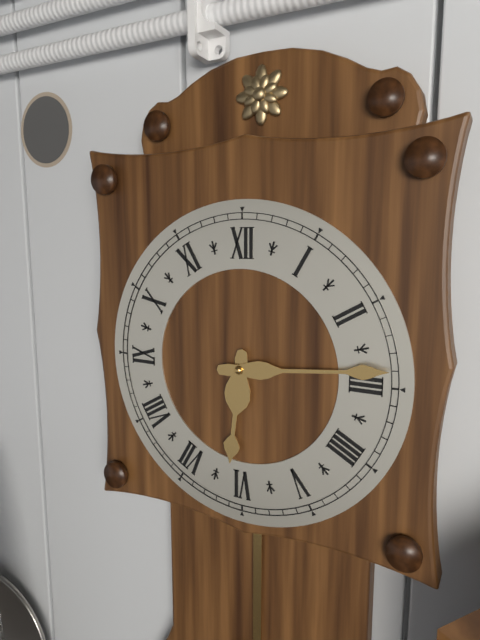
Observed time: 6:14
